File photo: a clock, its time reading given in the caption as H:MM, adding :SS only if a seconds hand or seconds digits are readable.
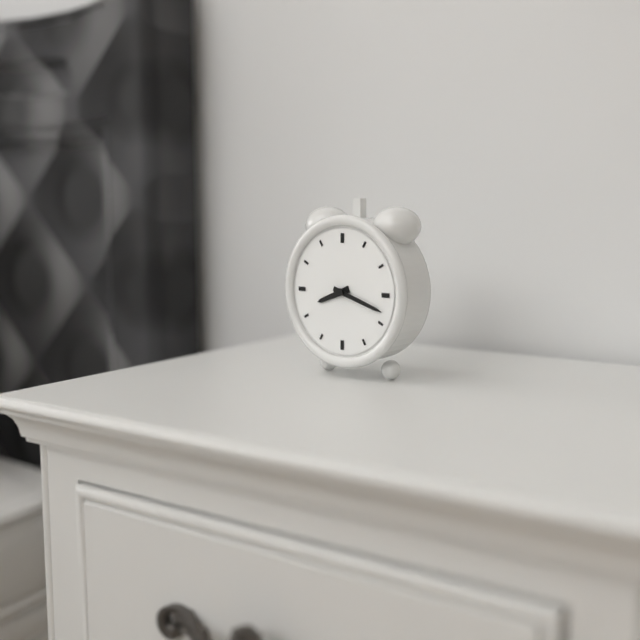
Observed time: 8:18
